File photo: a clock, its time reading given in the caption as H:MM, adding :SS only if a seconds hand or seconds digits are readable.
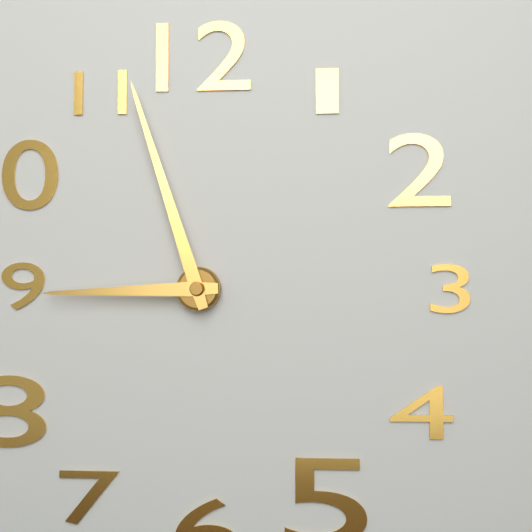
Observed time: 8:57
